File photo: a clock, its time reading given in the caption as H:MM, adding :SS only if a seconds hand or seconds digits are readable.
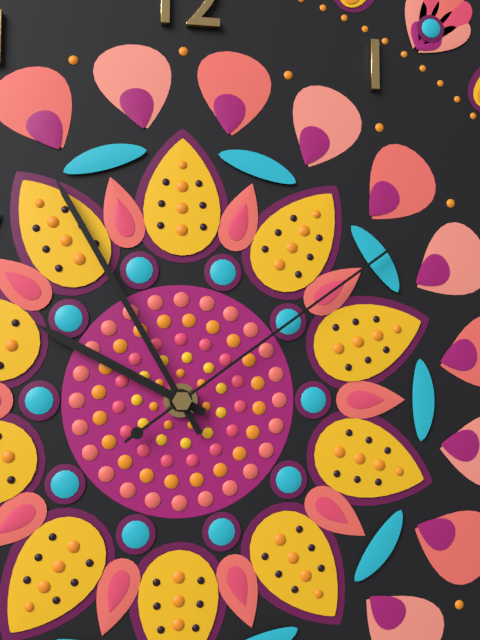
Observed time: 9:55:09
